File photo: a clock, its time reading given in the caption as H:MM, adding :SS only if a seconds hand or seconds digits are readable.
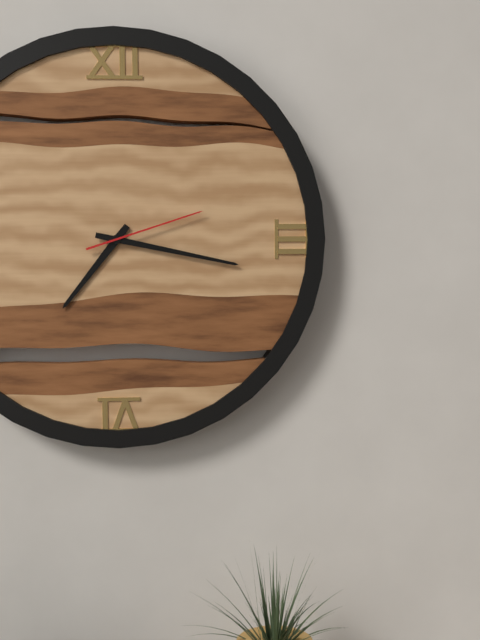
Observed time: 7:17:12
